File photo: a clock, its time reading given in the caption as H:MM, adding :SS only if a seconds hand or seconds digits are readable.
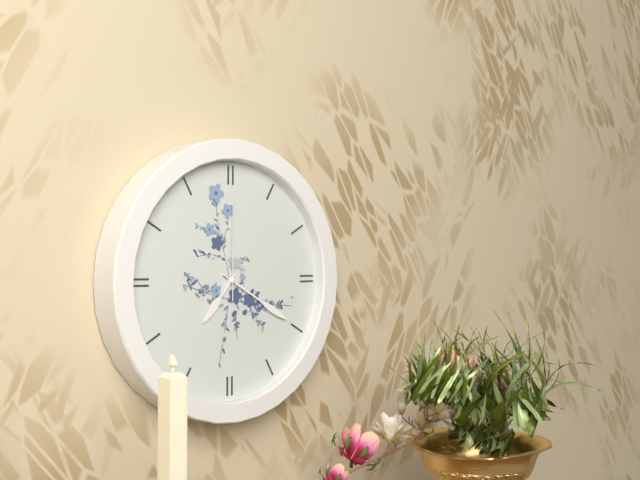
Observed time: 7:20:00
